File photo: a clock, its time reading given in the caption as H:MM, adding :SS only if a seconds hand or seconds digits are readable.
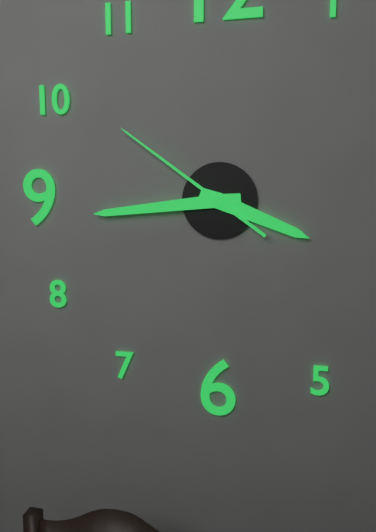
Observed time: 3:44:51
